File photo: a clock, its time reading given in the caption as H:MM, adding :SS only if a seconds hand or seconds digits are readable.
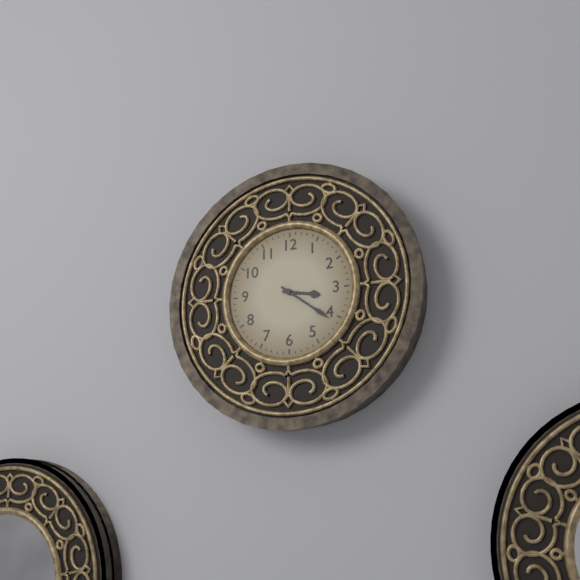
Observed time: 3:21
